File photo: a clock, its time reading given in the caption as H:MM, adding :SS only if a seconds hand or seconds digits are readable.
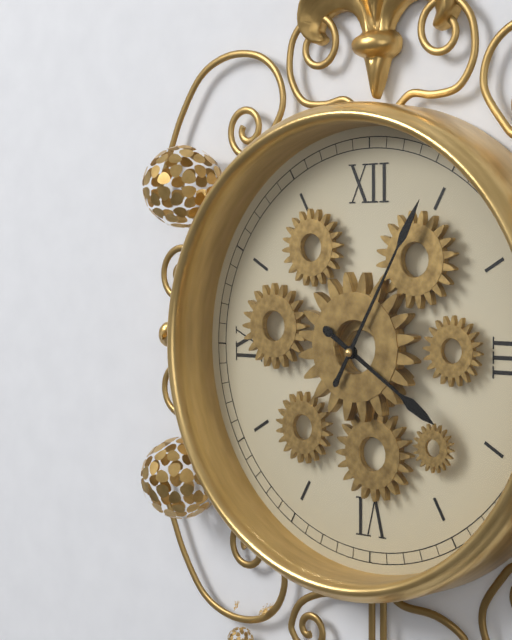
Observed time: 4:05
